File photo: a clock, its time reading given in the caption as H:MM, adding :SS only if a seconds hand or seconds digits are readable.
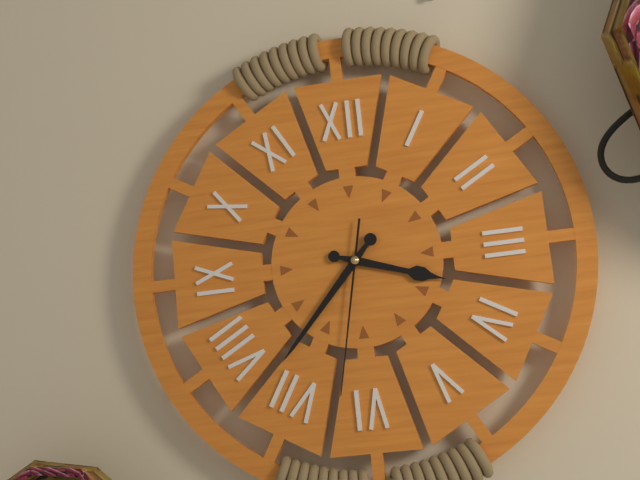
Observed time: 3:37:32
